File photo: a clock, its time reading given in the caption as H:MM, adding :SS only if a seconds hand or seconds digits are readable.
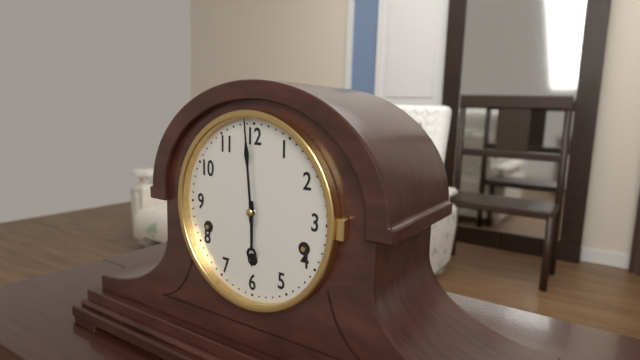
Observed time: 5:59
